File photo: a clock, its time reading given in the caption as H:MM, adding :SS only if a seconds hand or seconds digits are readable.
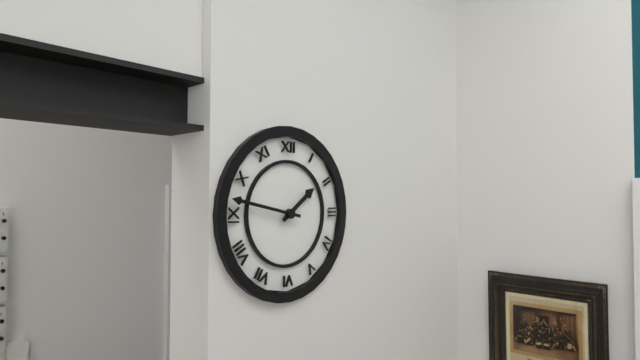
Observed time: 1:47
